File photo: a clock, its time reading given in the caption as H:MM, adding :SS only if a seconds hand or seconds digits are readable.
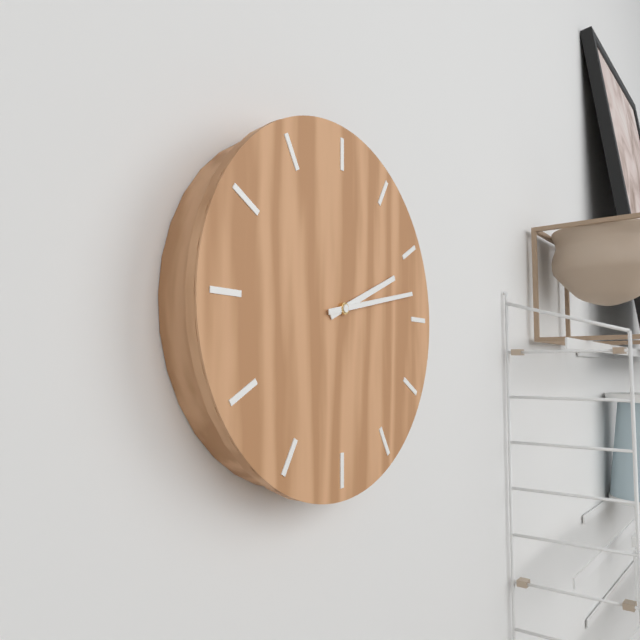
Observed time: 2:13
